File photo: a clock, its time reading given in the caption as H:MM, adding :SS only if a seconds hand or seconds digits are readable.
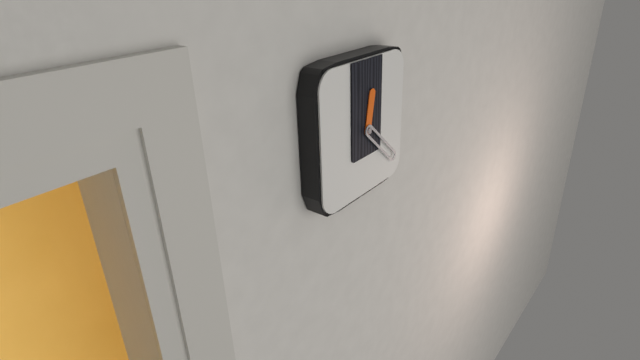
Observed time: 12:22
